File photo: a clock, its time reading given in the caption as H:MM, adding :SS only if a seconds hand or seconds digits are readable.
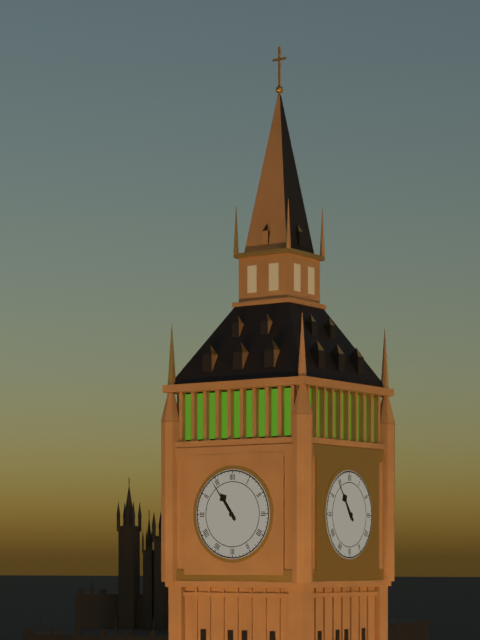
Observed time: 10:54
